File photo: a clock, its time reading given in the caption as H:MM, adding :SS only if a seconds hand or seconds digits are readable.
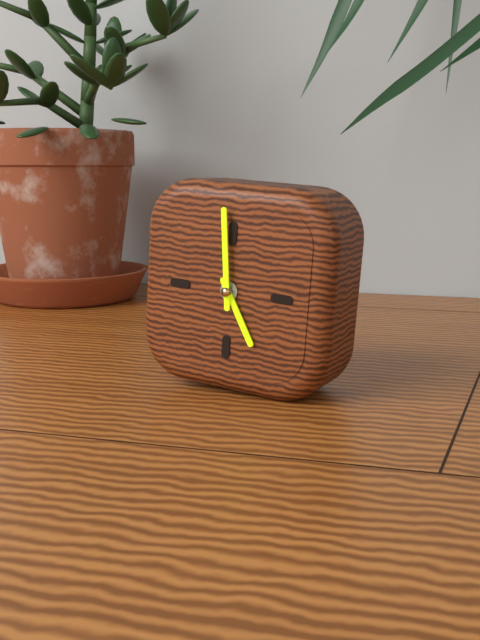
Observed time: 4:59
